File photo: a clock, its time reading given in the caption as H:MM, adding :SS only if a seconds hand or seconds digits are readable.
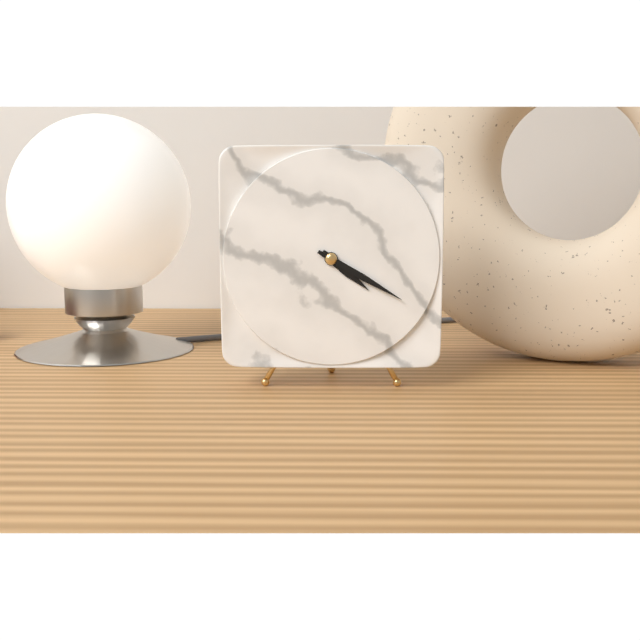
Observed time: 4:20
